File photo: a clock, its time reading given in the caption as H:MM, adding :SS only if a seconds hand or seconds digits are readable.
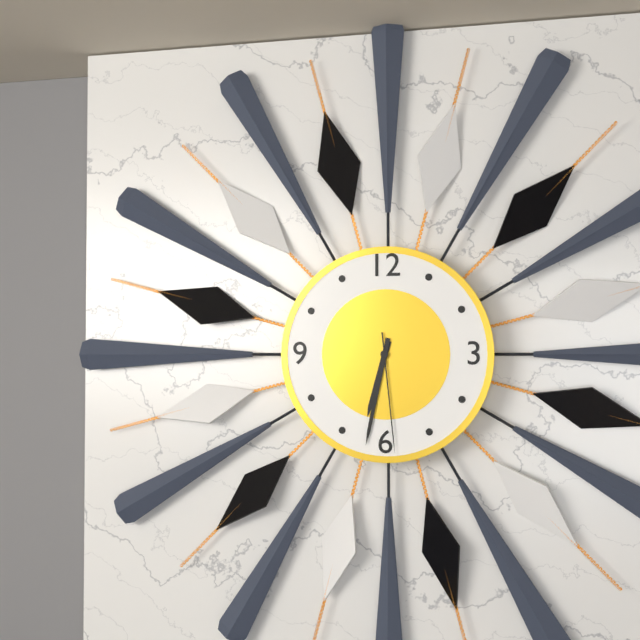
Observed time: 6:32:29
